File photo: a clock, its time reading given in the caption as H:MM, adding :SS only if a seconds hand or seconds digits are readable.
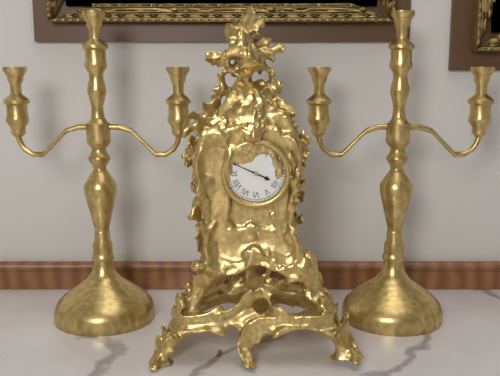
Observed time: 3:49
